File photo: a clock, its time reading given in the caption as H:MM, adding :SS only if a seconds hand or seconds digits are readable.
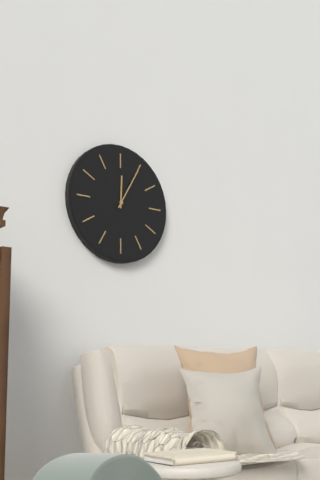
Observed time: 12:05
